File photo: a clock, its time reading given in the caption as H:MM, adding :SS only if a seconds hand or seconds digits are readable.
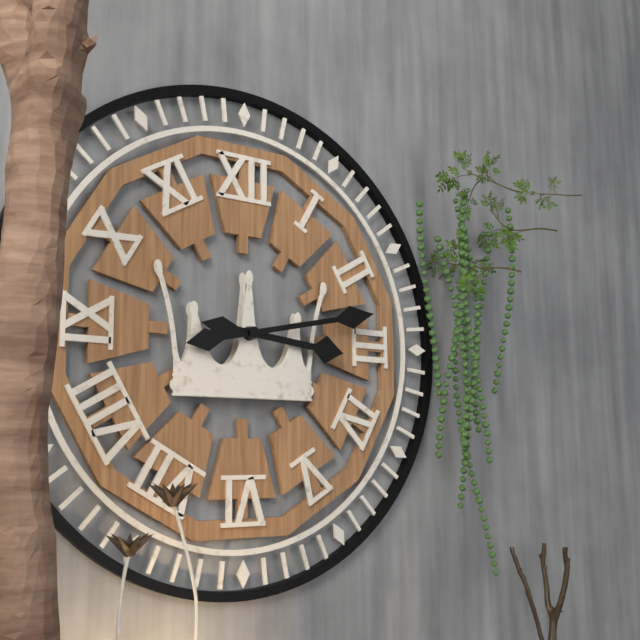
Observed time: 3:13
